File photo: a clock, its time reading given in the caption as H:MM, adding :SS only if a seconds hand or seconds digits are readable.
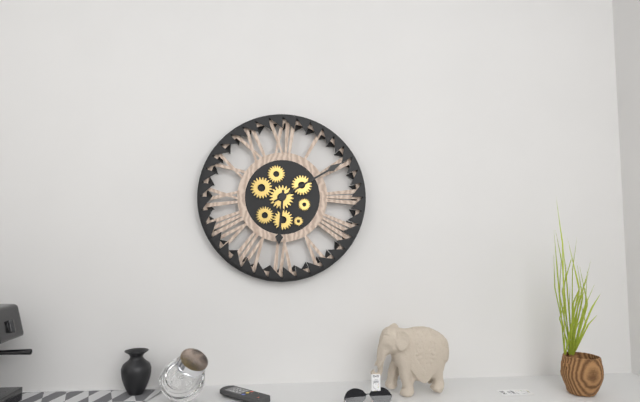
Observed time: 6:10
